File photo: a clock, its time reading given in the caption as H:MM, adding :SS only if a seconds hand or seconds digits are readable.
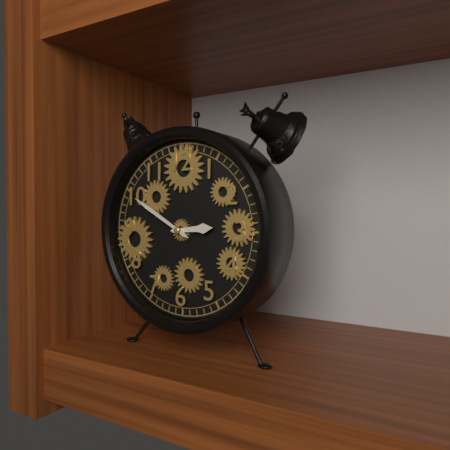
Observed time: 2:50
